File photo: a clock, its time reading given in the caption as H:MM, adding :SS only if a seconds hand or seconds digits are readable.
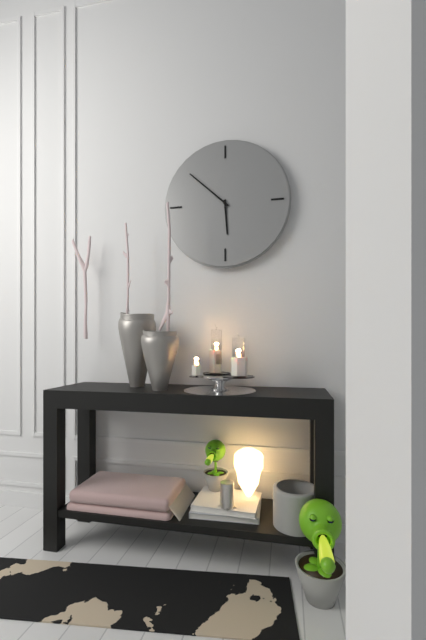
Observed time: 5:52
